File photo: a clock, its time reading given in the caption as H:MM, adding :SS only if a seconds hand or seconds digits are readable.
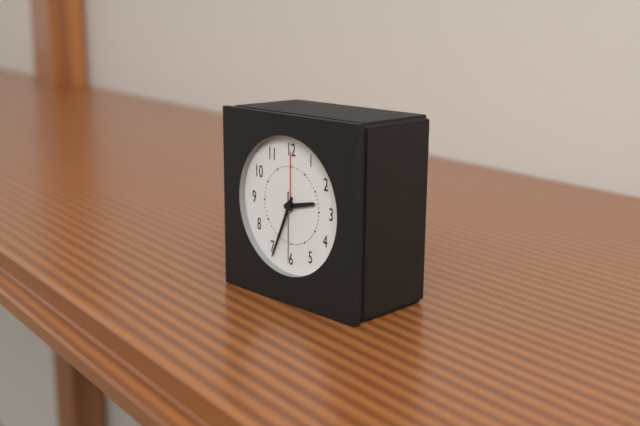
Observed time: 2:34:30
